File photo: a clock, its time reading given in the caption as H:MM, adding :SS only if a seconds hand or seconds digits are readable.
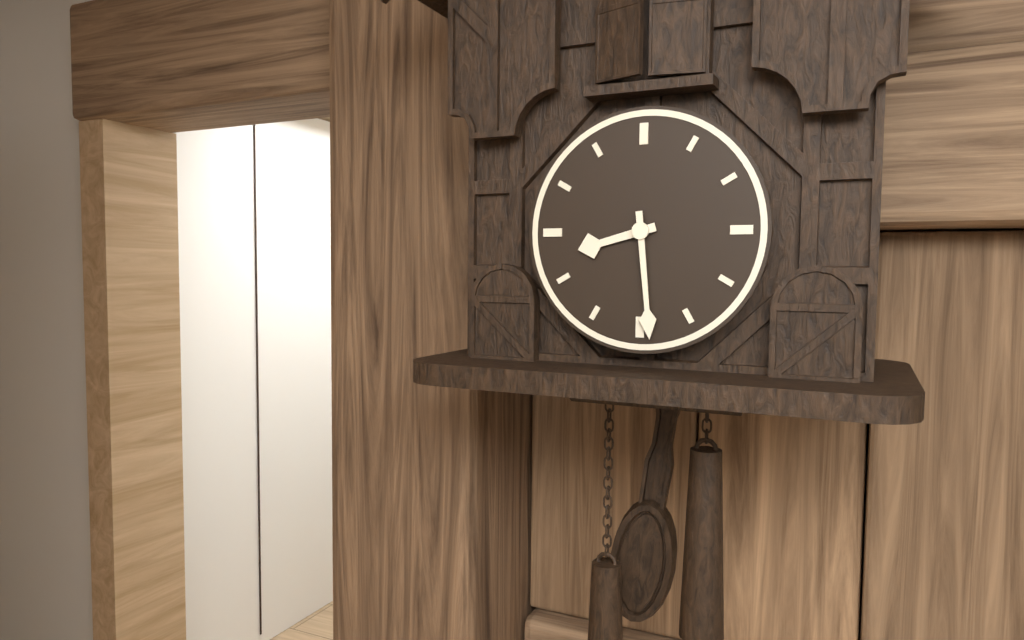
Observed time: 8:29
